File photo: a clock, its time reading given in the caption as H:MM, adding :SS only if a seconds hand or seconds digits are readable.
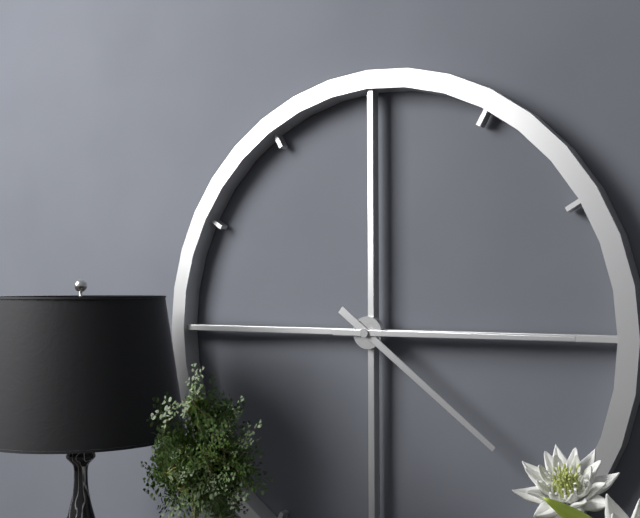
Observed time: 4:15
